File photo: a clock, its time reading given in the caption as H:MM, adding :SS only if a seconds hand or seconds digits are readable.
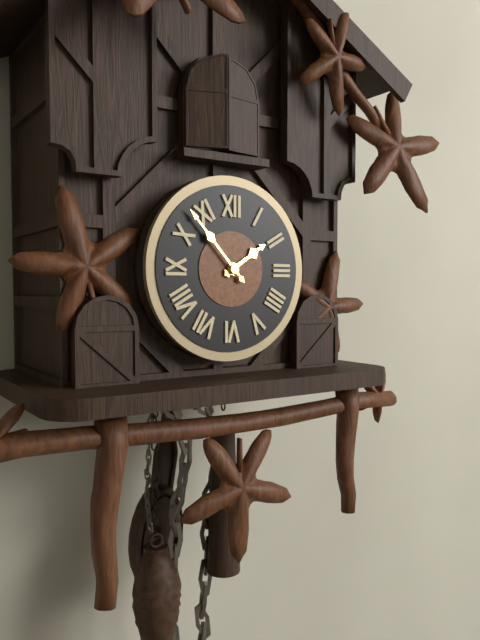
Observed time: 1:53
